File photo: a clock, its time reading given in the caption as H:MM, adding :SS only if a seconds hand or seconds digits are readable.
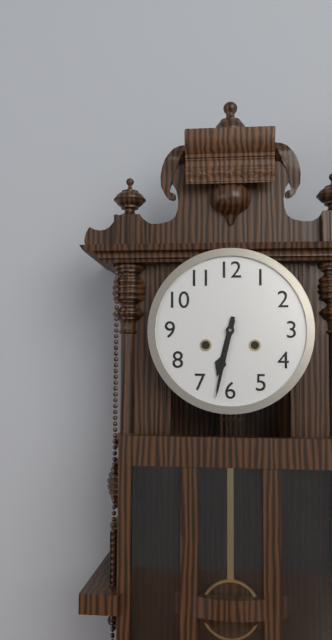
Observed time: 6:32
